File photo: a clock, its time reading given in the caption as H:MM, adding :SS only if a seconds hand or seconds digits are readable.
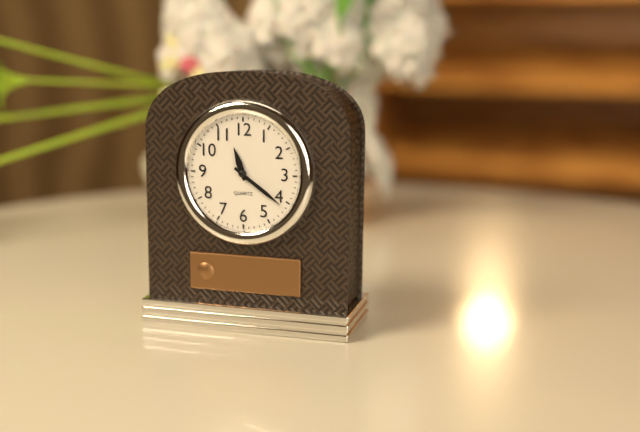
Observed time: 11:21
